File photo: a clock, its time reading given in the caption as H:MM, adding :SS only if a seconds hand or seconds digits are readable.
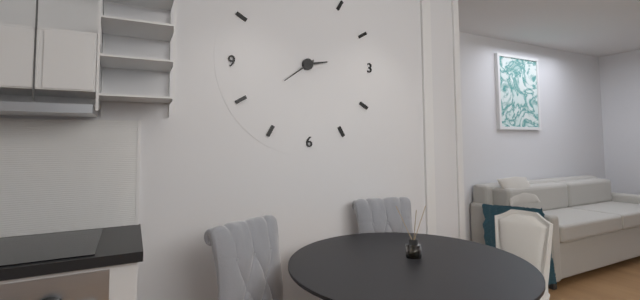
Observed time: 2:39
